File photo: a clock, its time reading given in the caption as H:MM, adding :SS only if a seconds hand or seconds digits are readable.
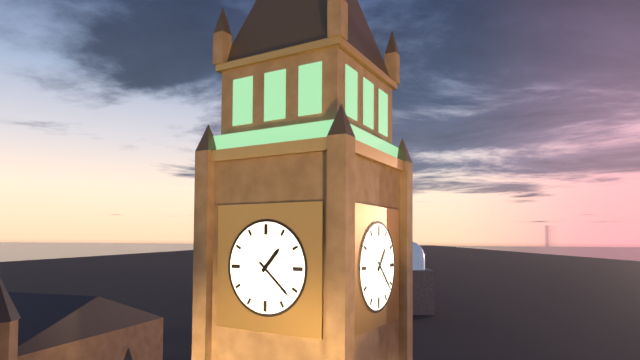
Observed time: 1:22
